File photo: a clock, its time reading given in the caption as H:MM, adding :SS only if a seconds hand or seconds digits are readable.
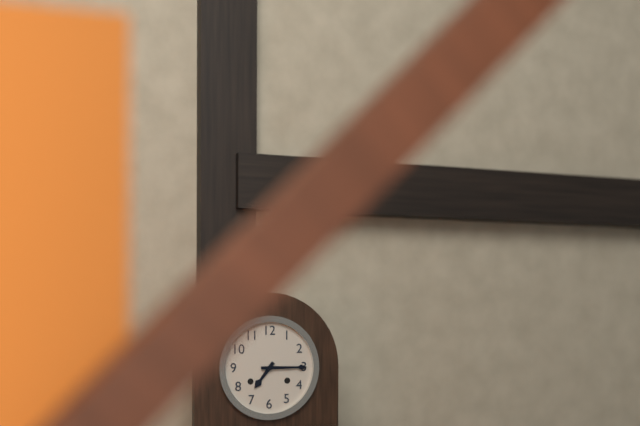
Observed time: 7:15
